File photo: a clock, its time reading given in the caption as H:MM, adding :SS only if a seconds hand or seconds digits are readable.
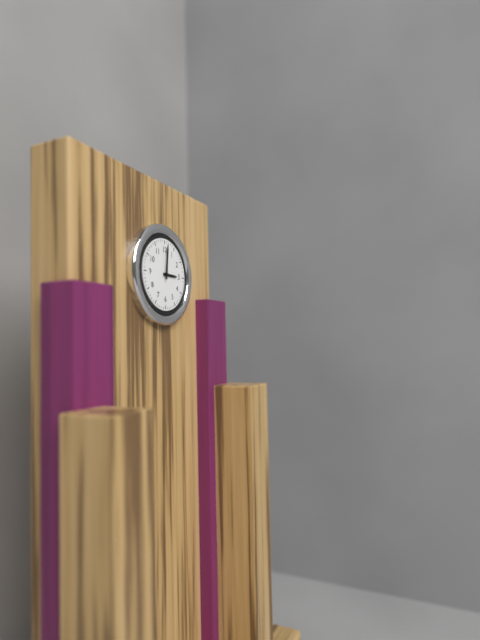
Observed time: 3:01
